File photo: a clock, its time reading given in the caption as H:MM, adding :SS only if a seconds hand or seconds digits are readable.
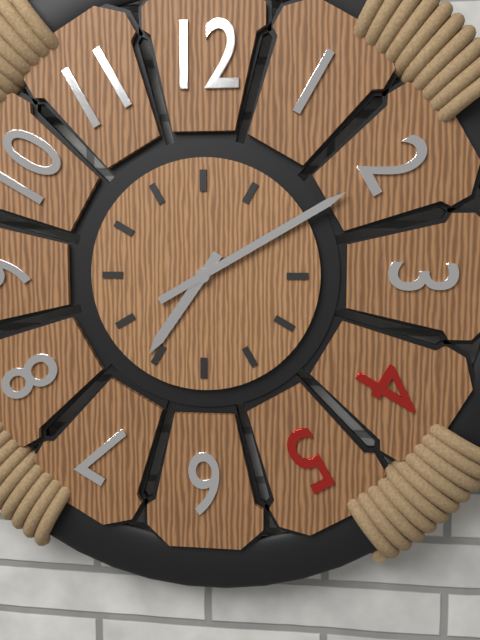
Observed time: 7:10
